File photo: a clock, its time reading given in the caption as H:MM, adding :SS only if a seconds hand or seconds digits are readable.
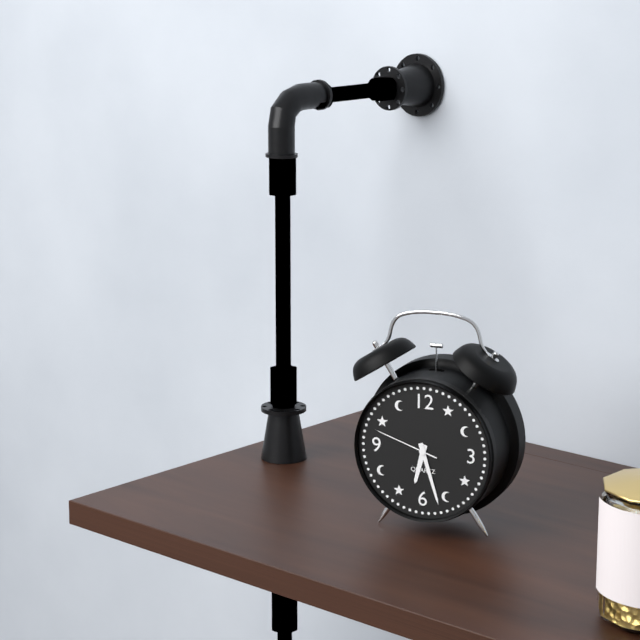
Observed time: 6:27:48
